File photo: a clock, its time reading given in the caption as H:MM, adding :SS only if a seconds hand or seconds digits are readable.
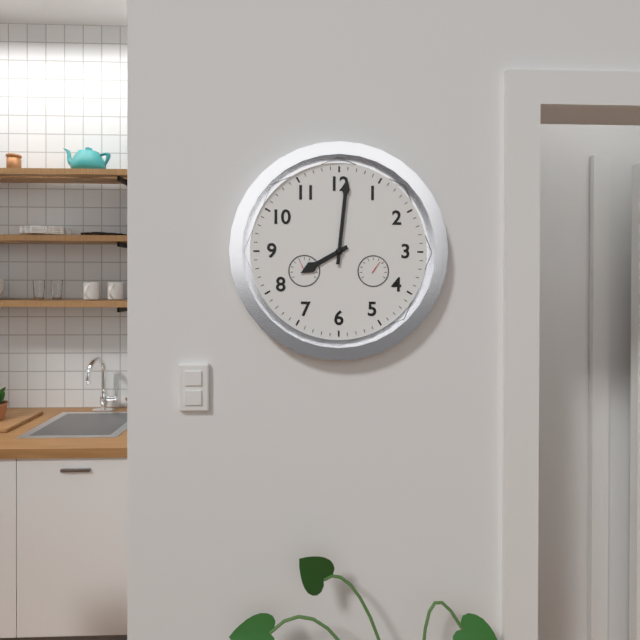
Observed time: 8:01
